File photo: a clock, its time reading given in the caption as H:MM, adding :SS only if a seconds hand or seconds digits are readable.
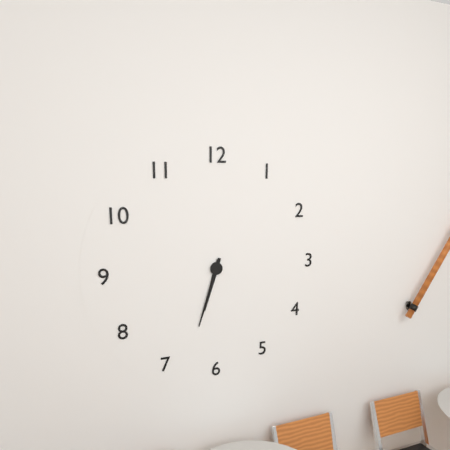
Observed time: 6:33
